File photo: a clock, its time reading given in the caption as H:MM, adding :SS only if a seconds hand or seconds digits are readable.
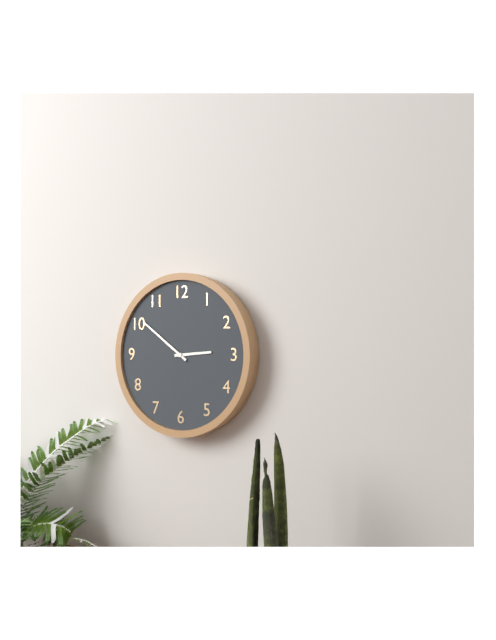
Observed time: 2:51
